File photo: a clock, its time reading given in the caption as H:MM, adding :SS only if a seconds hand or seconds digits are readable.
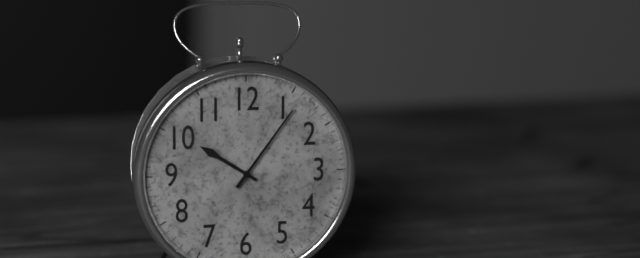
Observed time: 10:06
